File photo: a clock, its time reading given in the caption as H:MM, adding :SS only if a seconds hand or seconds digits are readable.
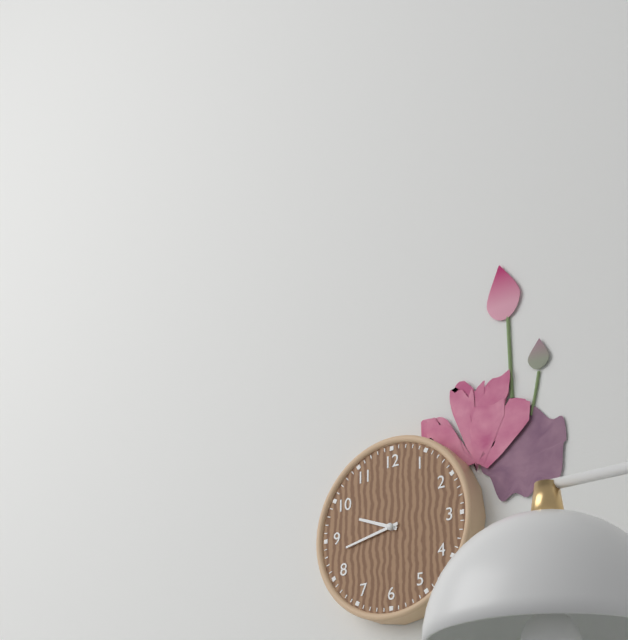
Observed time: 9:43
